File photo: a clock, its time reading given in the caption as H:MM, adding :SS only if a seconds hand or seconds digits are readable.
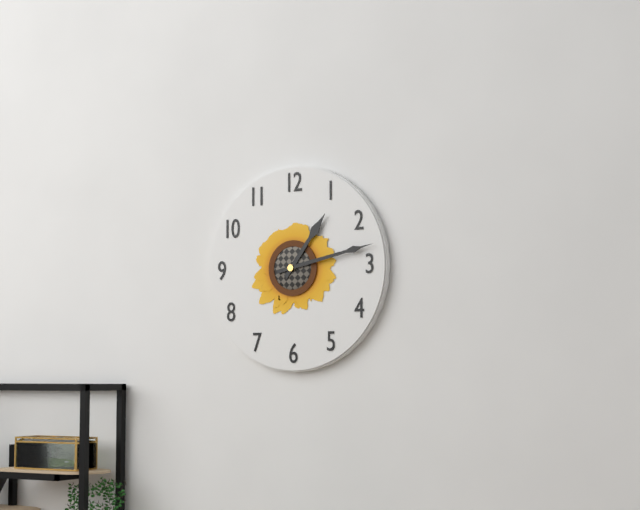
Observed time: 1:13
